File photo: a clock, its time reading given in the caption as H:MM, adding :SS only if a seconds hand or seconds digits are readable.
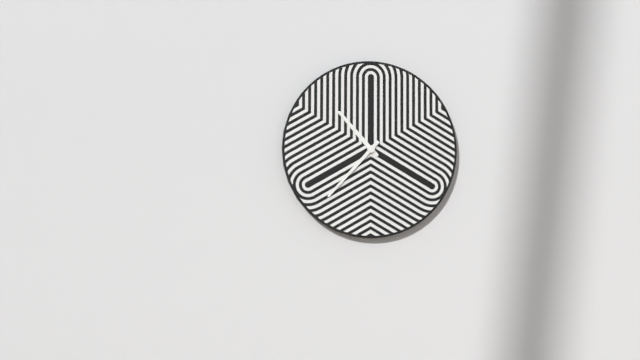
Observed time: 10:37
